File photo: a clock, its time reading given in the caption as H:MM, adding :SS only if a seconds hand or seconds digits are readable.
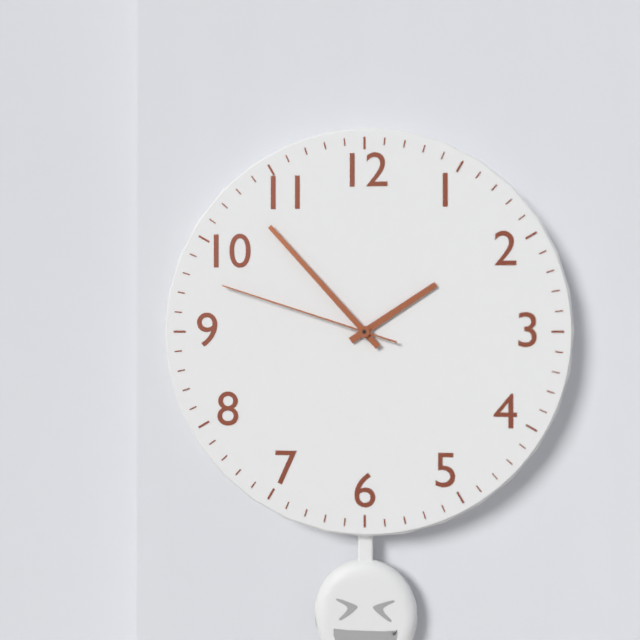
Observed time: 1:53:48
